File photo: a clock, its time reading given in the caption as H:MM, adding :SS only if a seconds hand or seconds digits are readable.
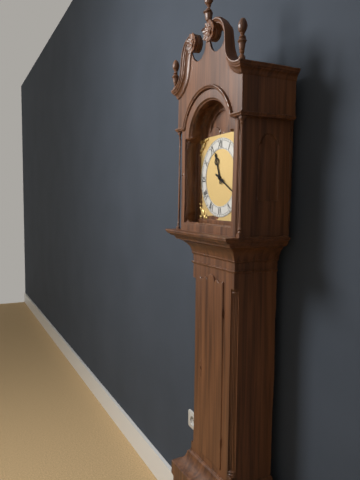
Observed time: 11:20
